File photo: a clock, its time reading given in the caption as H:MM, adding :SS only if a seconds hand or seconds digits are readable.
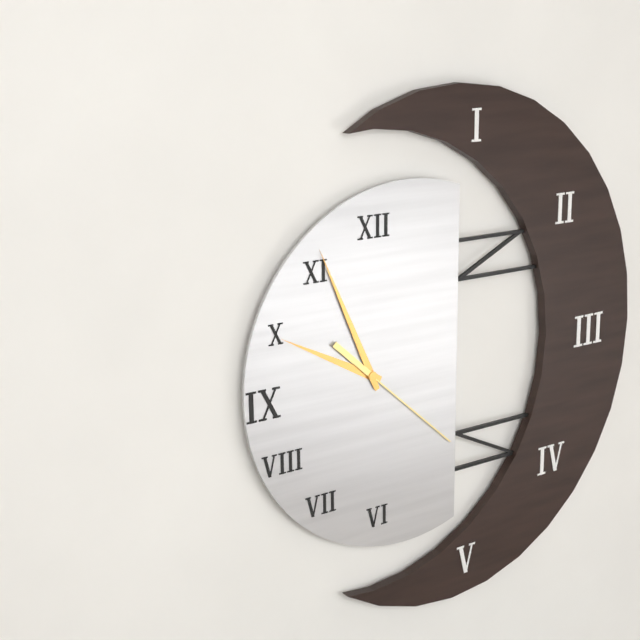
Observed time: 9:56:22
